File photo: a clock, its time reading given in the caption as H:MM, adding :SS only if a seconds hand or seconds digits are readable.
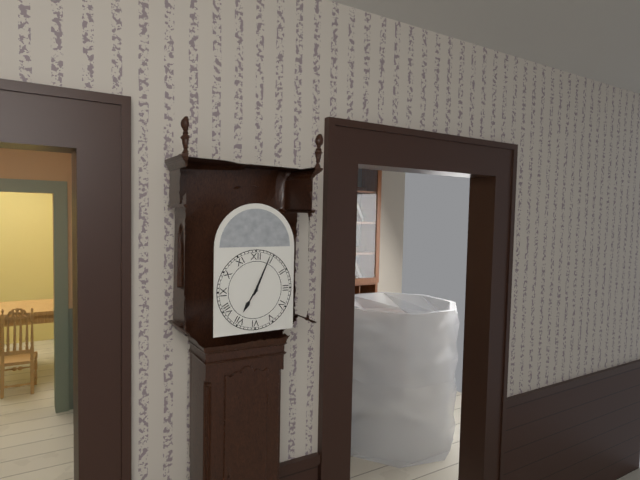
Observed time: 7:04
